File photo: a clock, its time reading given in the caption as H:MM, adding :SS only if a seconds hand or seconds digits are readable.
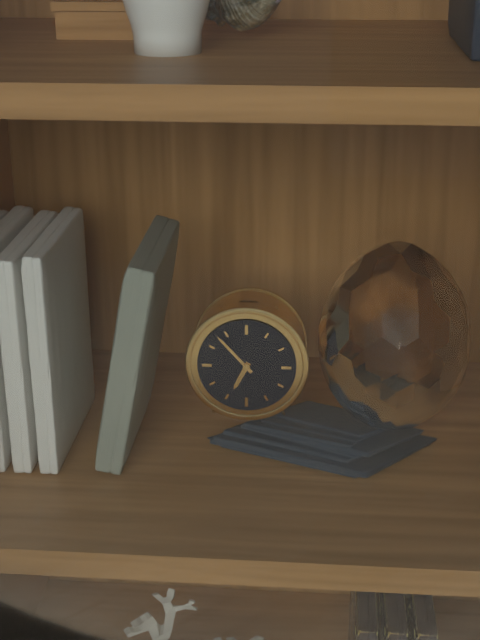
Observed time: 6:53
